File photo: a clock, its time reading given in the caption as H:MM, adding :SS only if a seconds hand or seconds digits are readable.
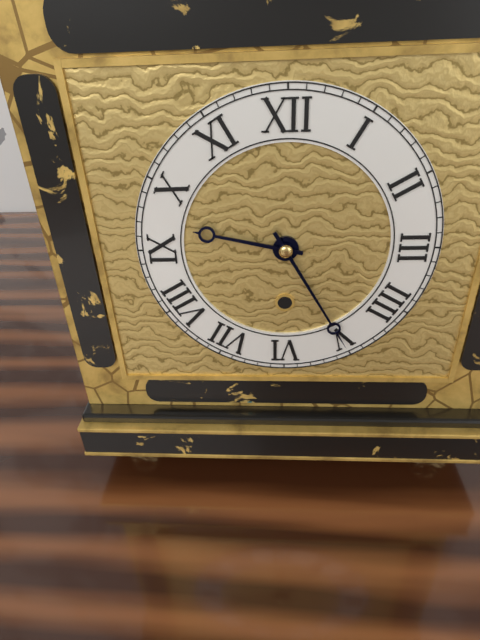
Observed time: 9:25
